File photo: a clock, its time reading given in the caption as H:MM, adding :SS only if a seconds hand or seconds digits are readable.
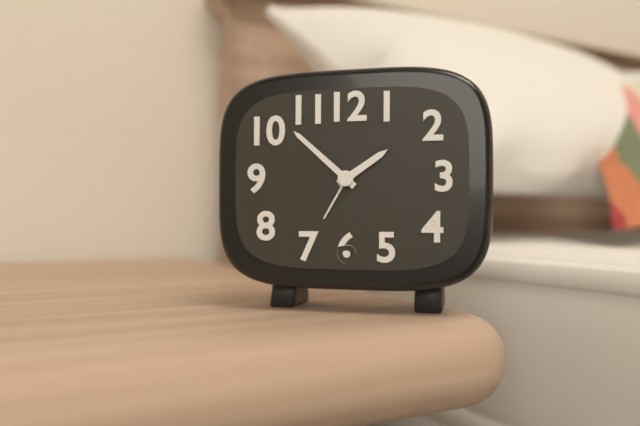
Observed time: 1:52
